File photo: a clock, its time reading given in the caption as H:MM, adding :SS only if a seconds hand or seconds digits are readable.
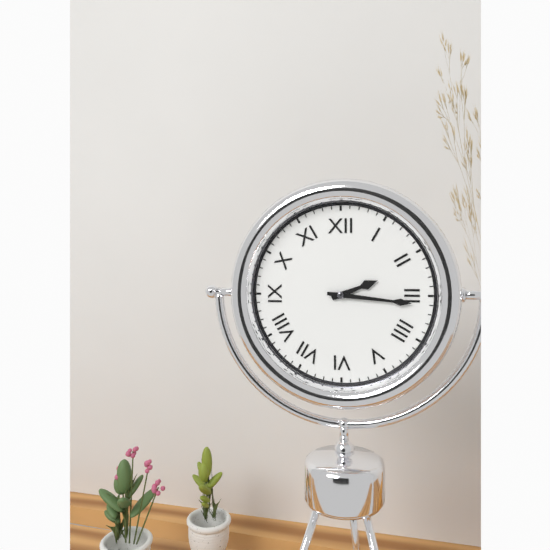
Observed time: 2:16
